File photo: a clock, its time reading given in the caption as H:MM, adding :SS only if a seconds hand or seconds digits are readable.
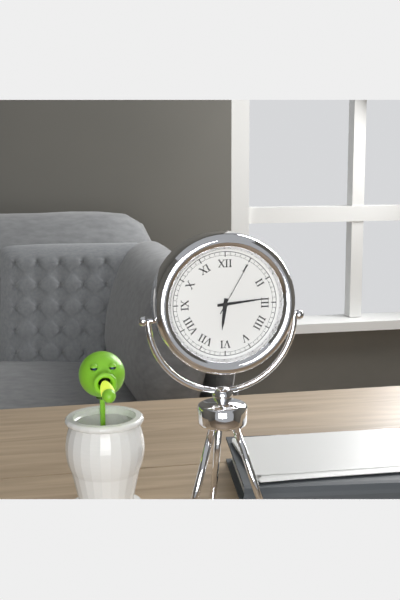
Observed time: 6:14:05
